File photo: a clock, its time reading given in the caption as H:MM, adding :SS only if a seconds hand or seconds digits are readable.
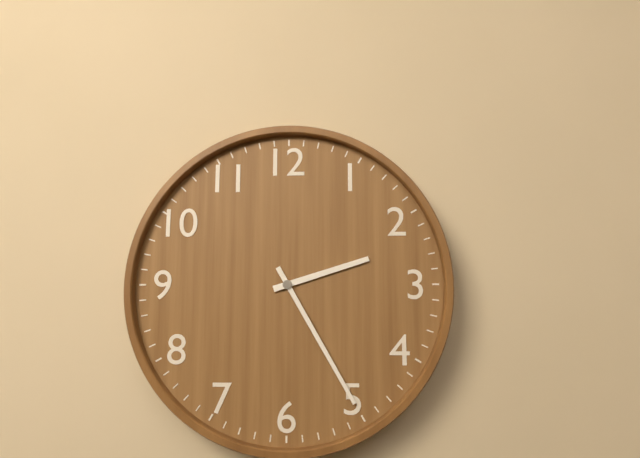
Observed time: 2:25
